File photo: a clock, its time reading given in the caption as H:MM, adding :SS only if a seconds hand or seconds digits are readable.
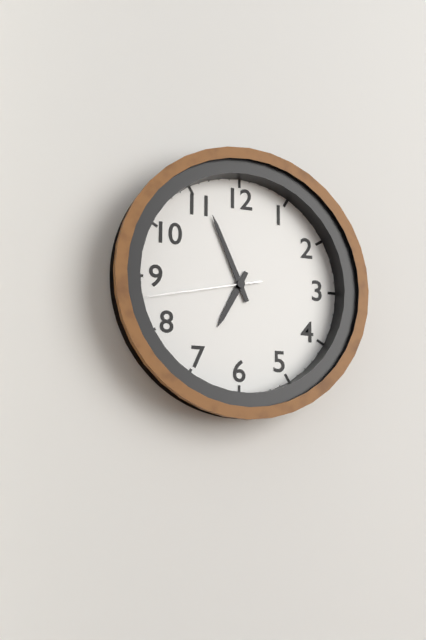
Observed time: 6:56:43
